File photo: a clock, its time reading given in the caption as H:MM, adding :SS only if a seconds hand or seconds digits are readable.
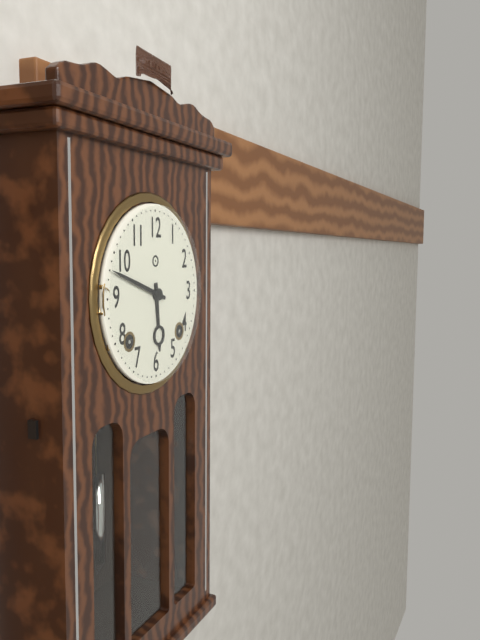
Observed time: 5:48
